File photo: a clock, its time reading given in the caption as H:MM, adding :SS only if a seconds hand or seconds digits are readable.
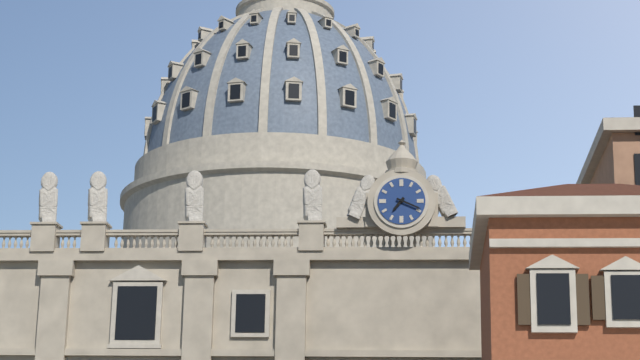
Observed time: 7:19
